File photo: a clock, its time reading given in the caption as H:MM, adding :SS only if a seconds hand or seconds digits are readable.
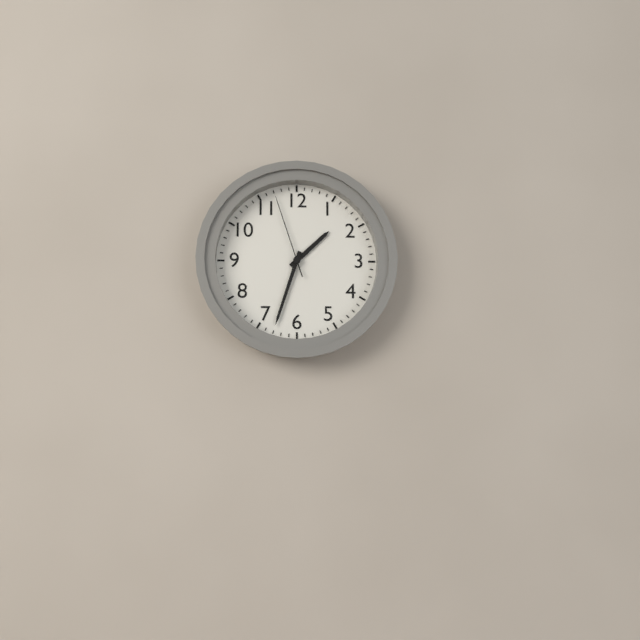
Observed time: 1:33:57
